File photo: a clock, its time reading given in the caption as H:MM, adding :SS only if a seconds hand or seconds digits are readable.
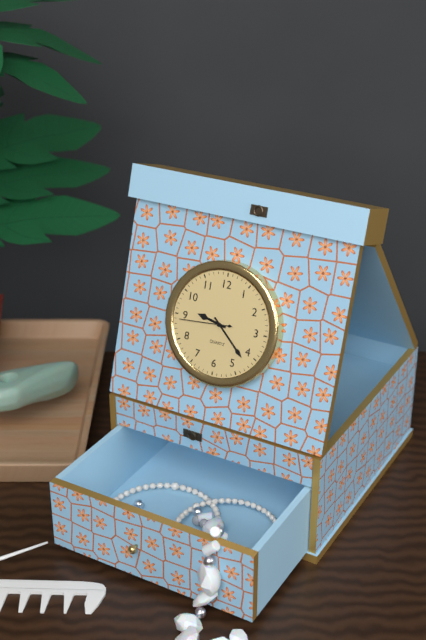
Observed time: 9:22:44
